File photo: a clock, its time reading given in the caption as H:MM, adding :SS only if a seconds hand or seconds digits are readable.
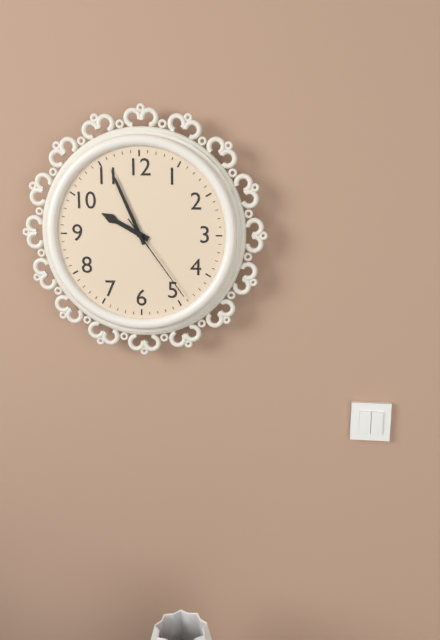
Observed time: 9:56:24
